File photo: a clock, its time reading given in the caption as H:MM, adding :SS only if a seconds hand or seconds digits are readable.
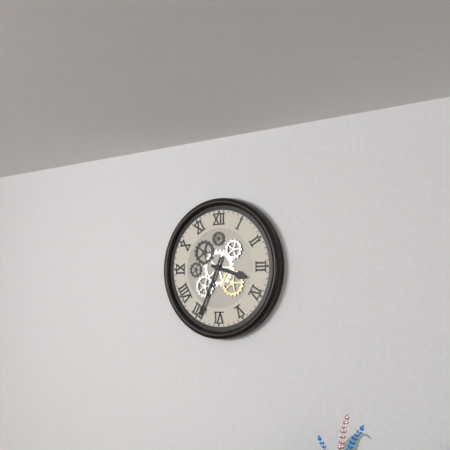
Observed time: 3:34
